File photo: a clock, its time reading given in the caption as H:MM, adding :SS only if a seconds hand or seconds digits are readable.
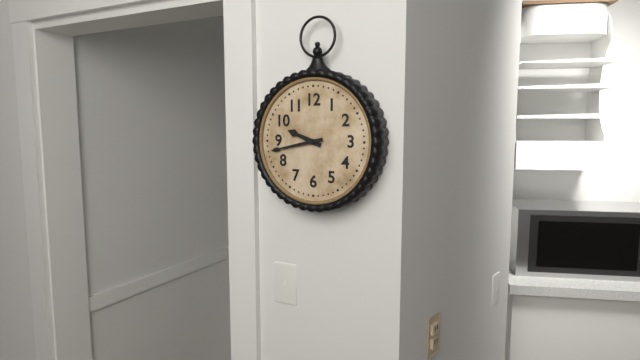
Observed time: 9:43
